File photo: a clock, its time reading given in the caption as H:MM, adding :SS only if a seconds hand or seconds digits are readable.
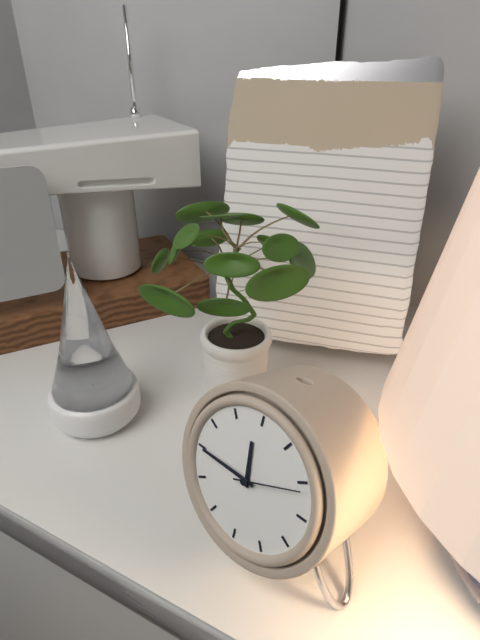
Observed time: 11:45:11
